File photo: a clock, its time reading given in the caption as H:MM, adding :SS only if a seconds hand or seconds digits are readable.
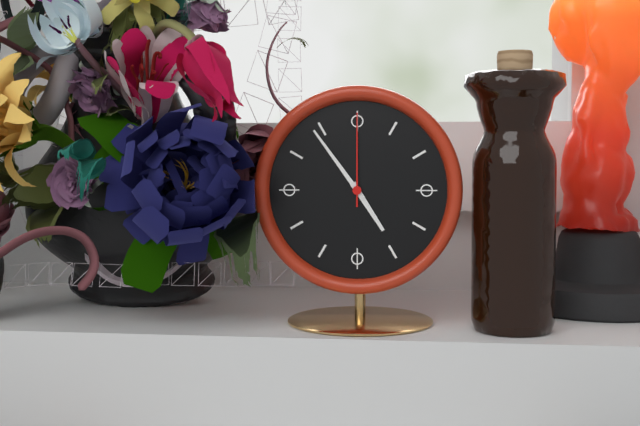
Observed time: 4:54:00
